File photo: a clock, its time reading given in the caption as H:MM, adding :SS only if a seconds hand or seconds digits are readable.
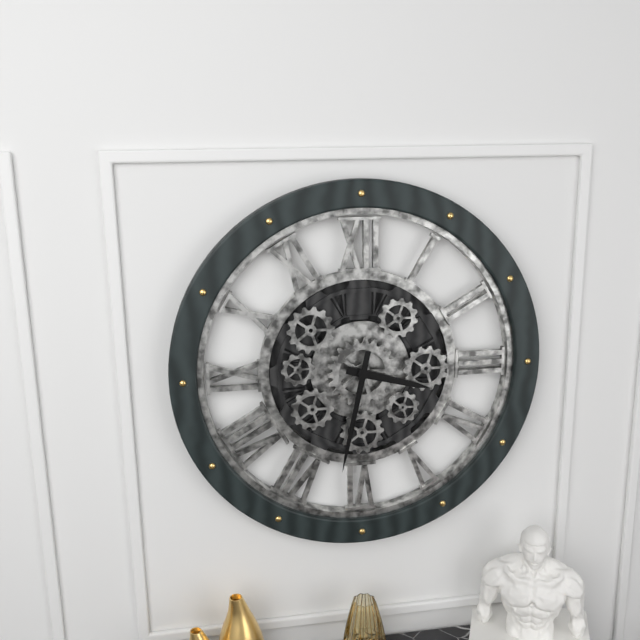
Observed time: 3:32
